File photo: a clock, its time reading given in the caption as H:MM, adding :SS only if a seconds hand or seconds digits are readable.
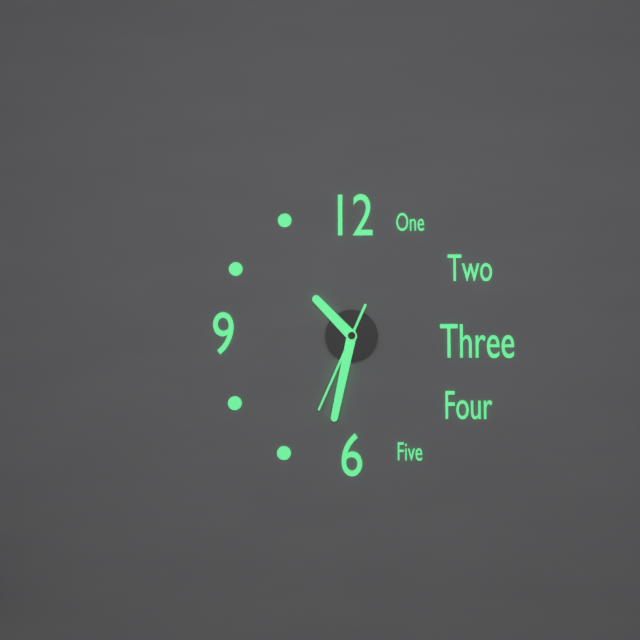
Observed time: 10:32:34
